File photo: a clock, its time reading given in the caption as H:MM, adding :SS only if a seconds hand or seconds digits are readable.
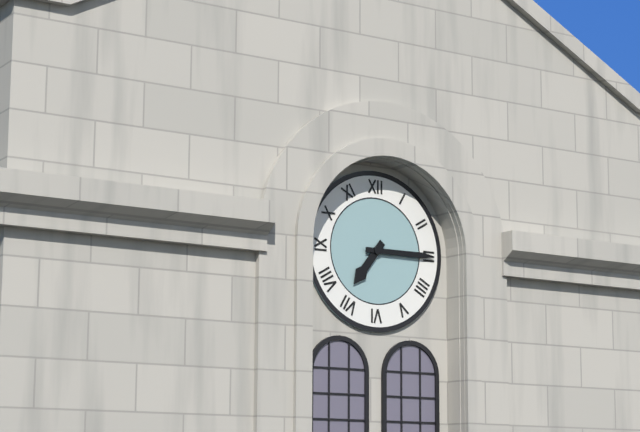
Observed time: 7:15
